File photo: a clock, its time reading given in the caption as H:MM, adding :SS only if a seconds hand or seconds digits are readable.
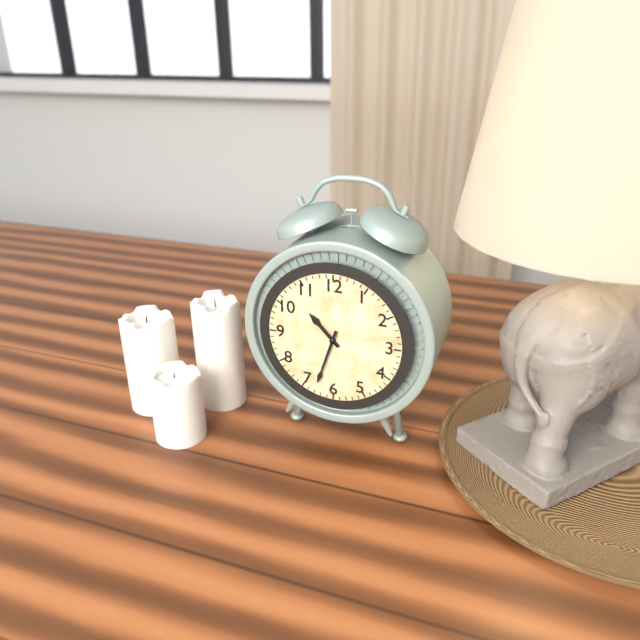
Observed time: 10:33
